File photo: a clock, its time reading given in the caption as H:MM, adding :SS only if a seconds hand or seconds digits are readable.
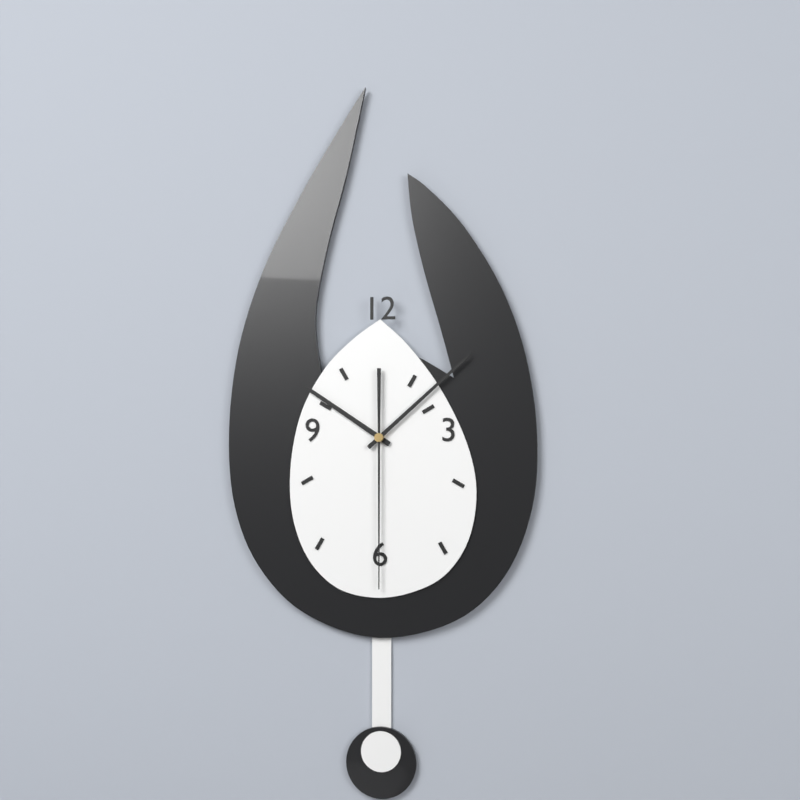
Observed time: 10:08:30
